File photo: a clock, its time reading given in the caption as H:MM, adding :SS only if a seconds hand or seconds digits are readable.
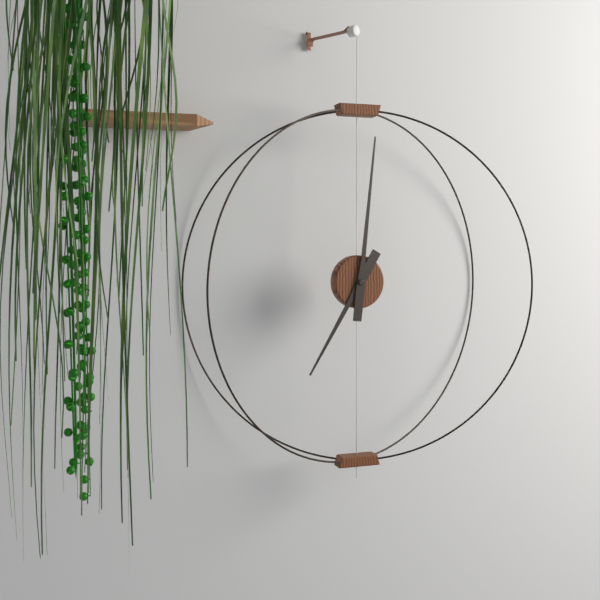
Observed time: 7:01
